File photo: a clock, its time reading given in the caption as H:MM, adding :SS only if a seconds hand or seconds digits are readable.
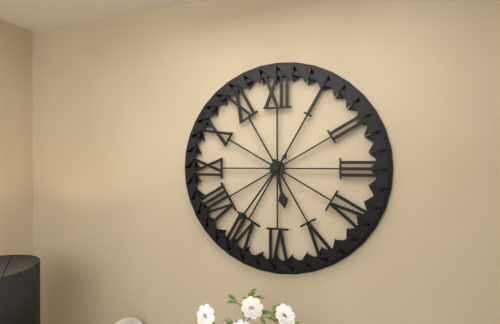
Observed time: 5:36
